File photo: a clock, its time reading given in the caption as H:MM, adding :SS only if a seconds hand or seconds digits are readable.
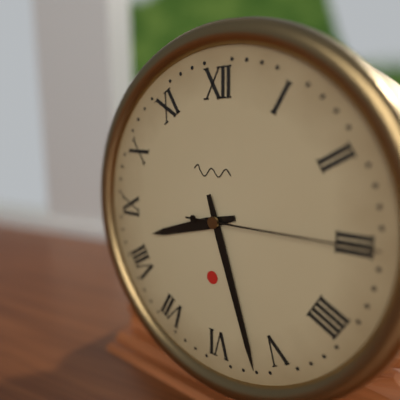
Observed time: 8:27:15
